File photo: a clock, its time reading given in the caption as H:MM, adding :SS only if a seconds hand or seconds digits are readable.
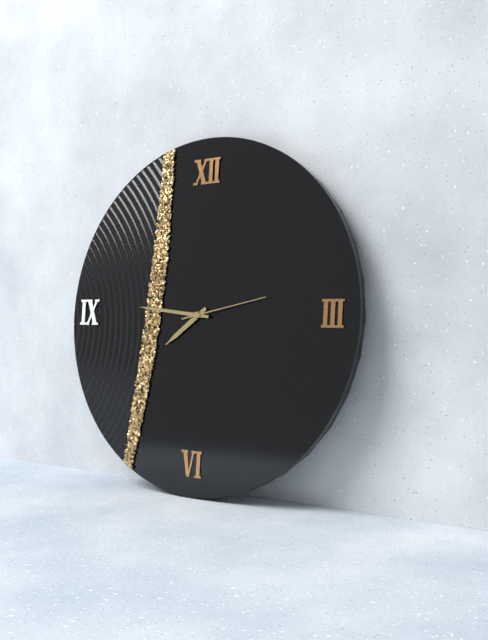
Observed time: 7:46:13
